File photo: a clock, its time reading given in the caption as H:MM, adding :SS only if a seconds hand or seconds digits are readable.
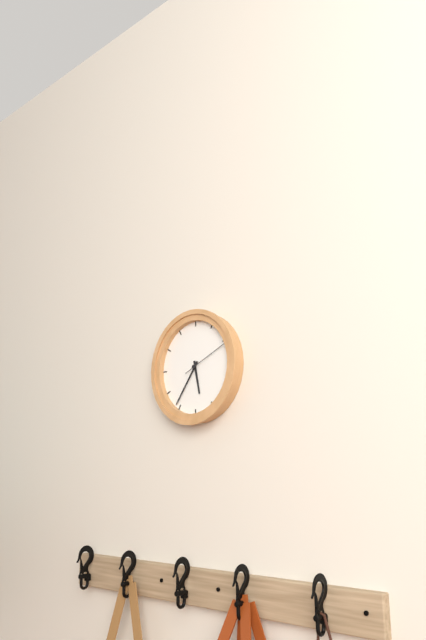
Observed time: 5:36:11
